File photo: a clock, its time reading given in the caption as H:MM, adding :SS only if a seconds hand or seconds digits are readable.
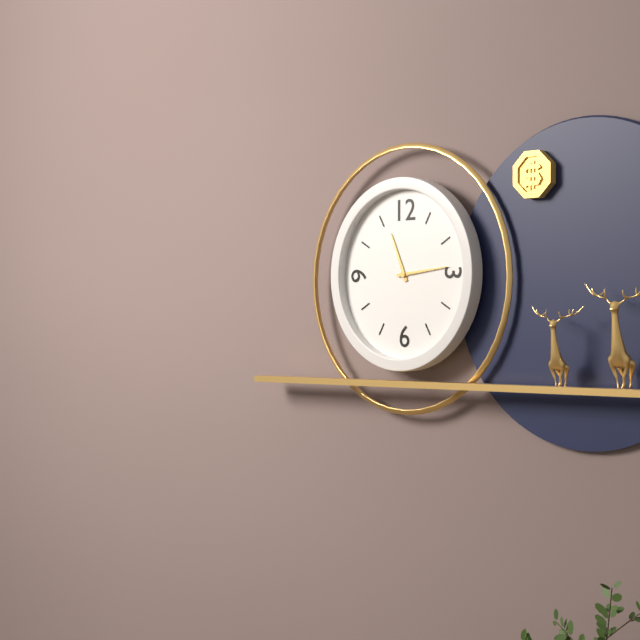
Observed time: 11:14
